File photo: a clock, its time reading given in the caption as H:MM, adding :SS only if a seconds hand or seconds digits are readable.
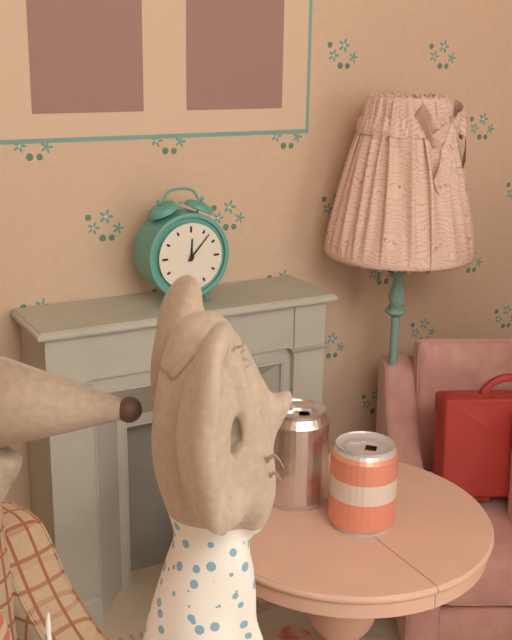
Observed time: 12:07
